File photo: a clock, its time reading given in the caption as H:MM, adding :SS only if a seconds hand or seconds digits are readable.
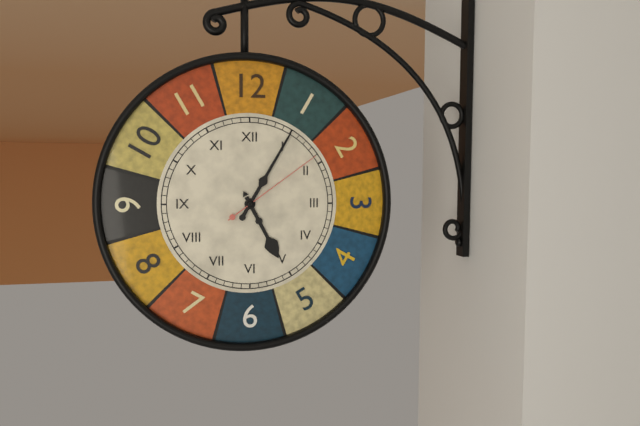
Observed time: 5:05:09
